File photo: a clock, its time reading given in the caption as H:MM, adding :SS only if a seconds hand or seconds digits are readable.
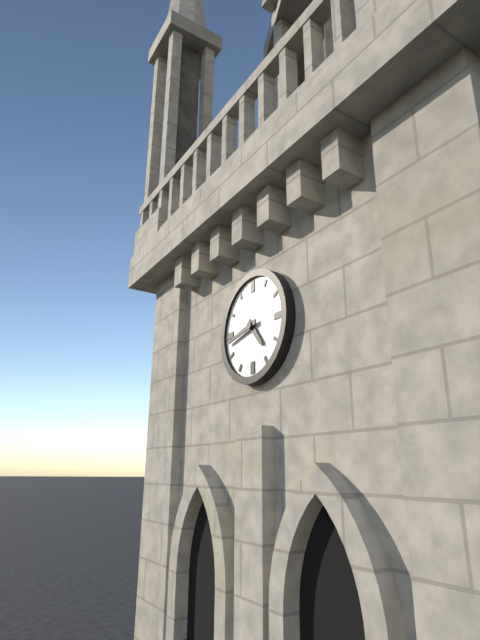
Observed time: 4:43
